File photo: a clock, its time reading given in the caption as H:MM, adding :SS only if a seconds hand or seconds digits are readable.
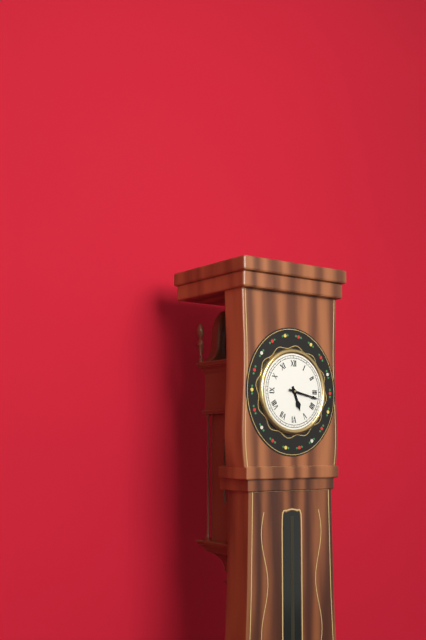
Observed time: 5:17
